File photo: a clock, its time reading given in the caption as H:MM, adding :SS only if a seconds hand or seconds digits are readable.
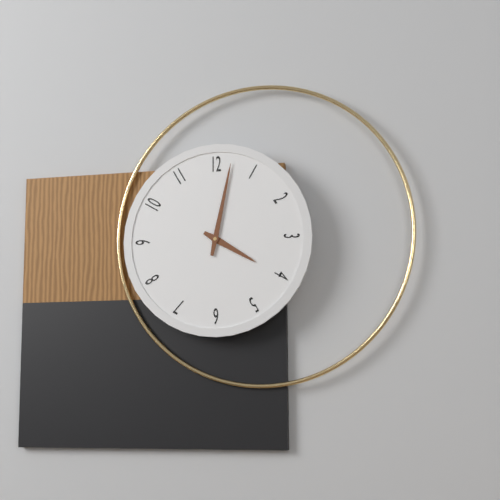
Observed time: 4:02
